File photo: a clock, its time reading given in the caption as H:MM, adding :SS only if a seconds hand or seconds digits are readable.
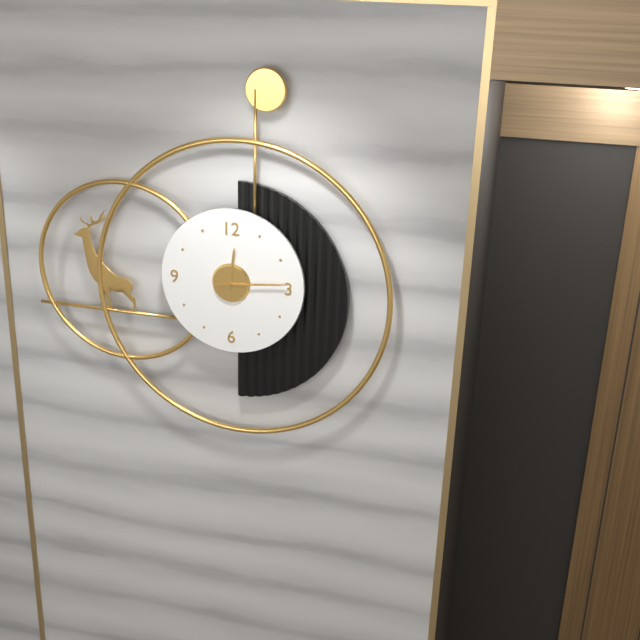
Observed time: 12:14:14
